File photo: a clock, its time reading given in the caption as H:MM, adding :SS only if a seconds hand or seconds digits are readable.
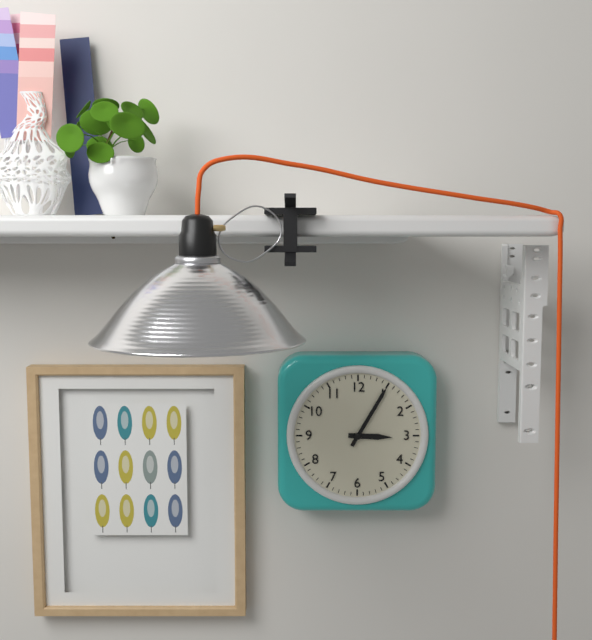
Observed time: 3:05
